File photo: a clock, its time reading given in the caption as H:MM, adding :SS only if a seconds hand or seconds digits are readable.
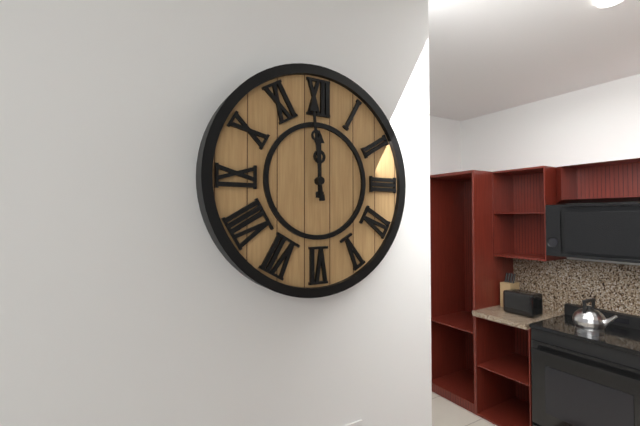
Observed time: 11:59
